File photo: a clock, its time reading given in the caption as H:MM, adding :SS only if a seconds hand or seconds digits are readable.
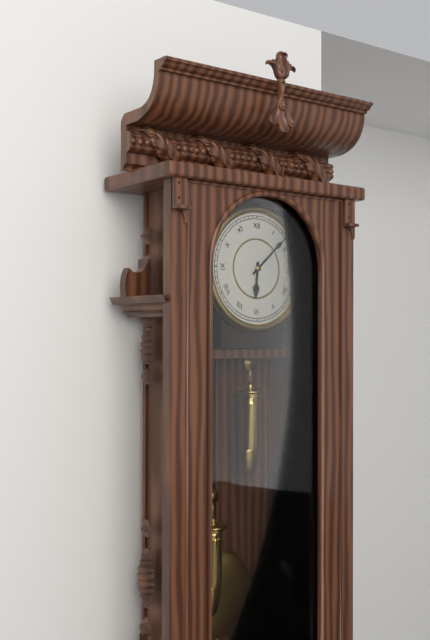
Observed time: 6:08
